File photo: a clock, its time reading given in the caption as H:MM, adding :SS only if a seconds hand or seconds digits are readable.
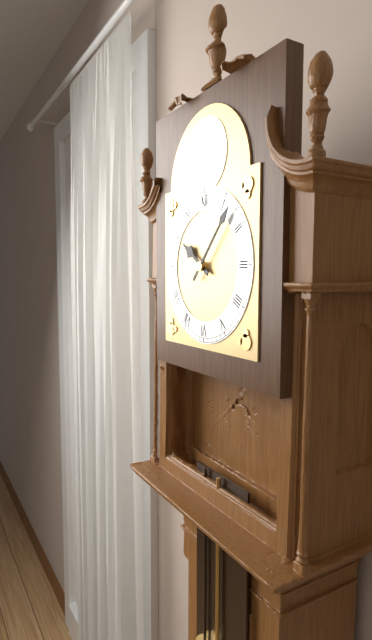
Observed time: 10:07
